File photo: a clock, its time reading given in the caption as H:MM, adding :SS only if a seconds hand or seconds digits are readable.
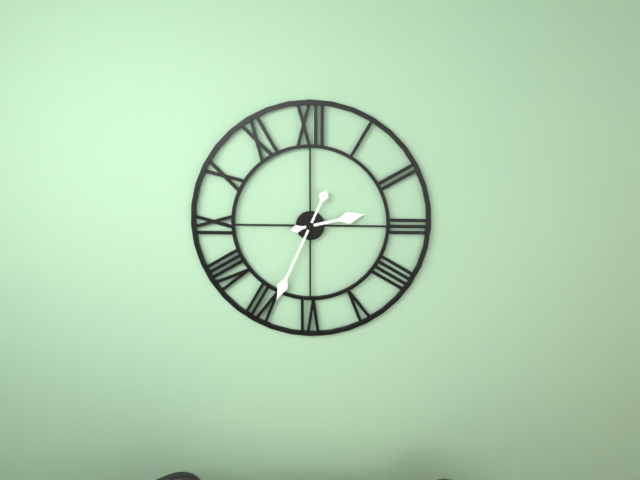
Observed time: 2:34
